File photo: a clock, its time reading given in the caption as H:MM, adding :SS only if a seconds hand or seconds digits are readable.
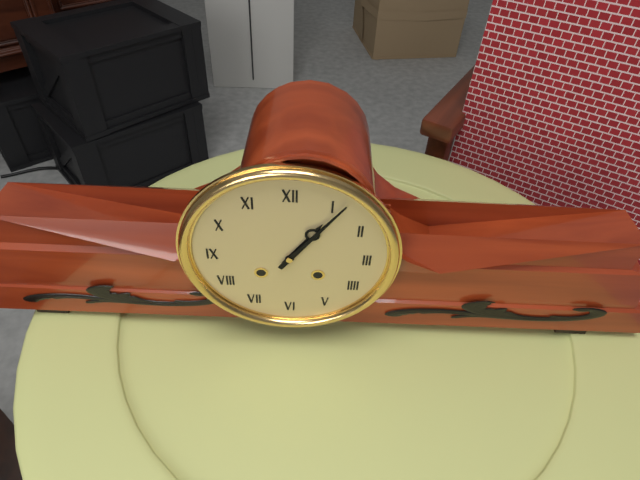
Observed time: 1:06
